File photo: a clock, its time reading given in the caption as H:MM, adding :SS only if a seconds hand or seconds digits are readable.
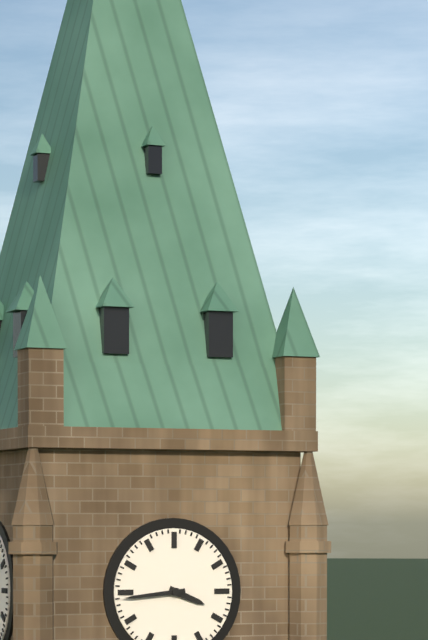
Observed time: 3:44
